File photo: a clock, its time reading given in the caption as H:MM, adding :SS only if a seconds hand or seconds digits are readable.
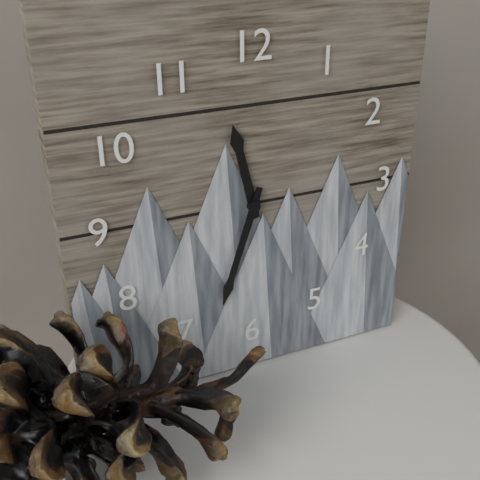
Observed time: 11:33
